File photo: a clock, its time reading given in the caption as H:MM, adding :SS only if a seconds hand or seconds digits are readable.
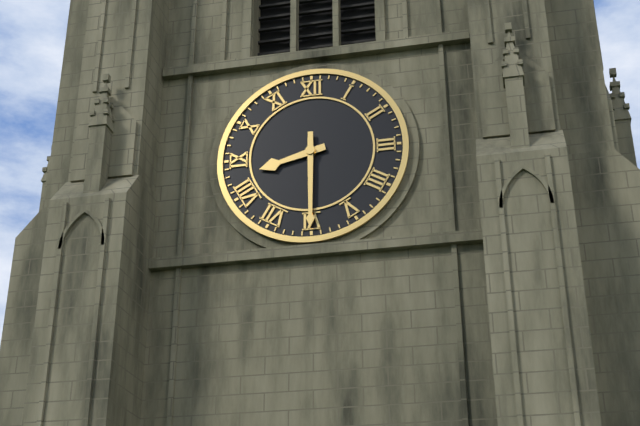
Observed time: 8:30
